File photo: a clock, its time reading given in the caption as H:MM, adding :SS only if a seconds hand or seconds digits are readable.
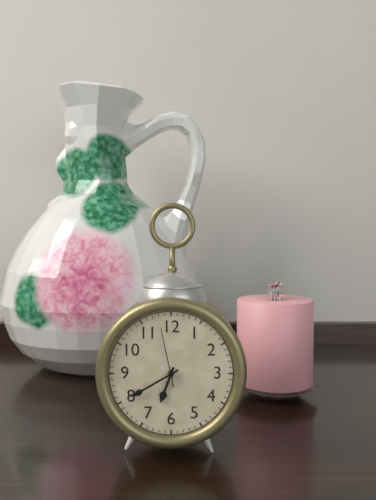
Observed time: 6:40:58
